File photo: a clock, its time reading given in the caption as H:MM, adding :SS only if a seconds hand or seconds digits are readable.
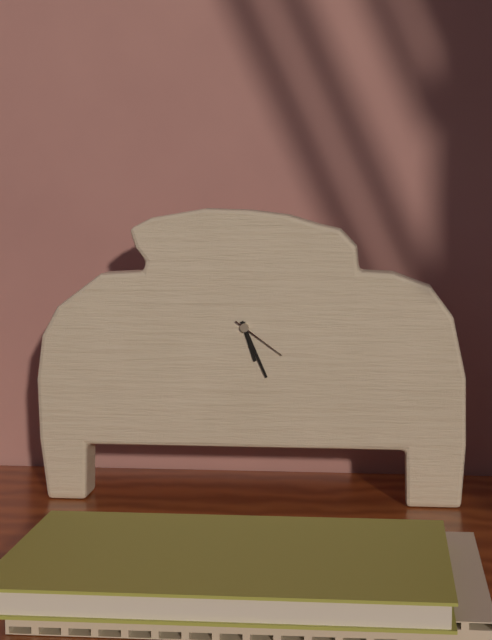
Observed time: 5:26:21
